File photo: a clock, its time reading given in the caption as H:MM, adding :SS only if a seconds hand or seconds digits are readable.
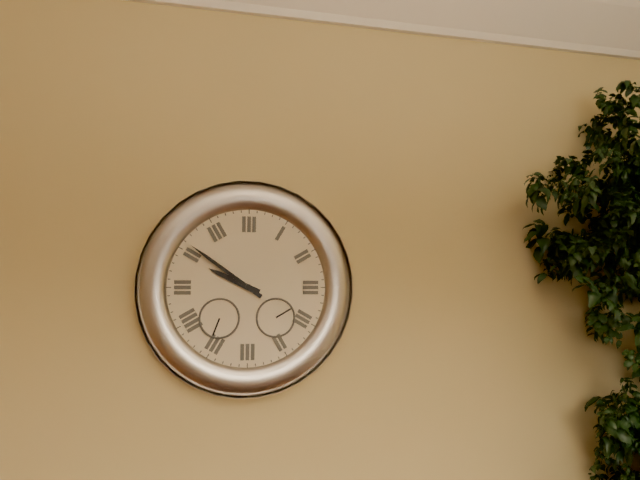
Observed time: 9:51
